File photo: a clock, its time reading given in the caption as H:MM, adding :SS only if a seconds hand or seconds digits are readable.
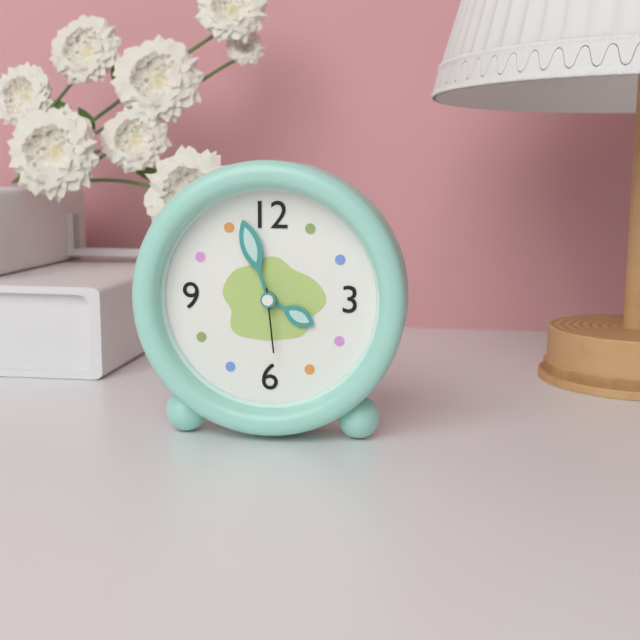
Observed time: 3:57:29
